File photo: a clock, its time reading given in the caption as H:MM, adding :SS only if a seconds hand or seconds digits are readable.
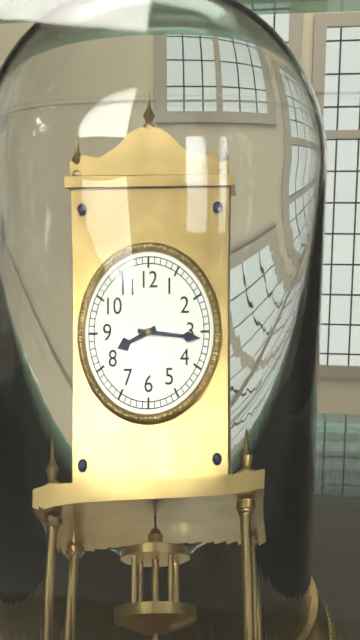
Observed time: 8:16
